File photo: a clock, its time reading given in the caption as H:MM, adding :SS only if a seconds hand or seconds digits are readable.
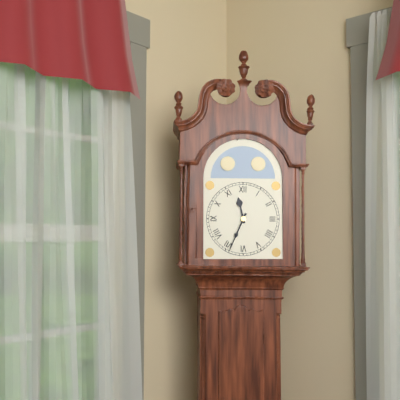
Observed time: 11:34
